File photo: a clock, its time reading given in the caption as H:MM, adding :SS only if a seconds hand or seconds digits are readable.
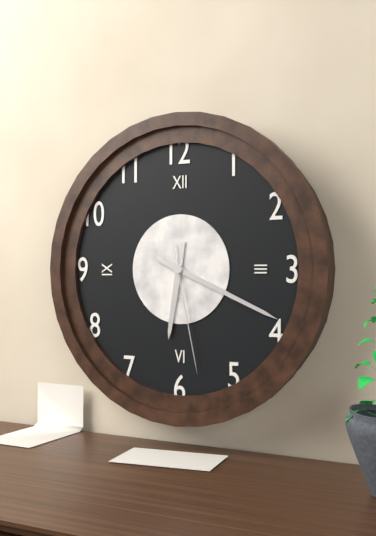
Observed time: 6:19:28
